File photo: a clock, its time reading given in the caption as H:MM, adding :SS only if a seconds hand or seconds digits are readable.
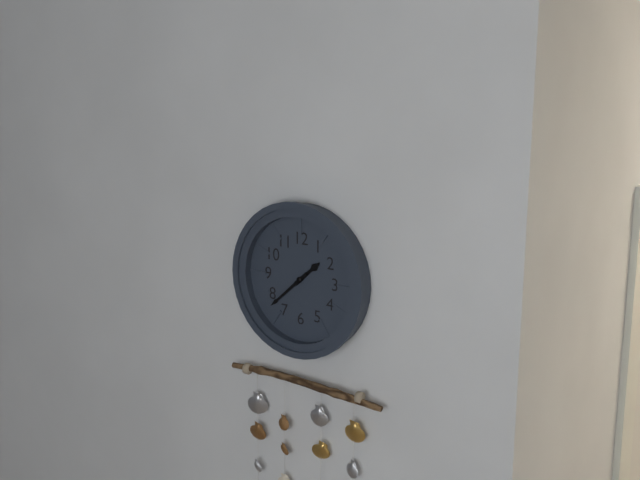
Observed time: 1:38
